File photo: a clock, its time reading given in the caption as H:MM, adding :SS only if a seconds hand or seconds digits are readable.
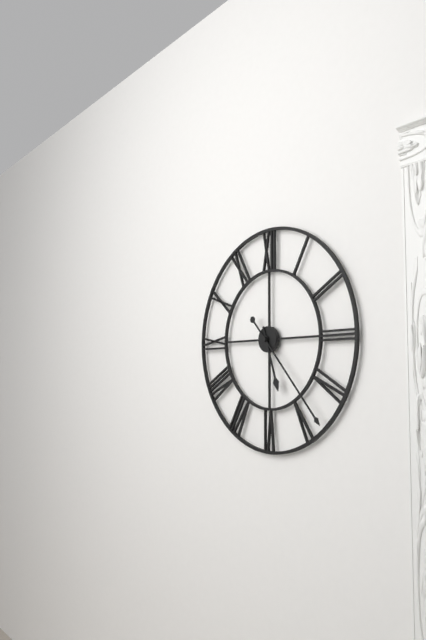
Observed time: 5:23
